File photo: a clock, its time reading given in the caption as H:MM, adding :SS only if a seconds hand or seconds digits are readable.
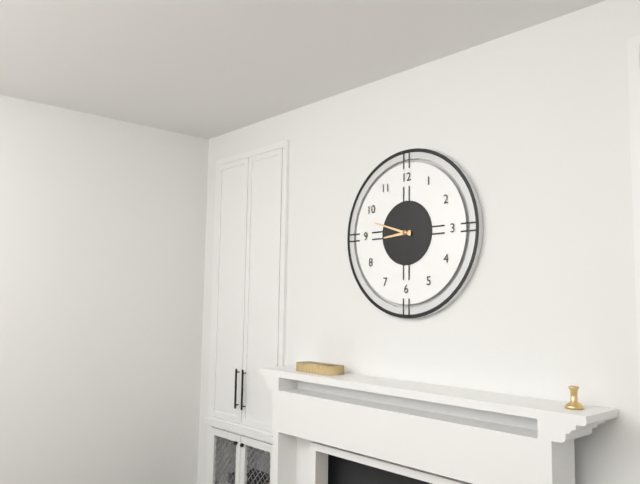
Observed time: 8:48
